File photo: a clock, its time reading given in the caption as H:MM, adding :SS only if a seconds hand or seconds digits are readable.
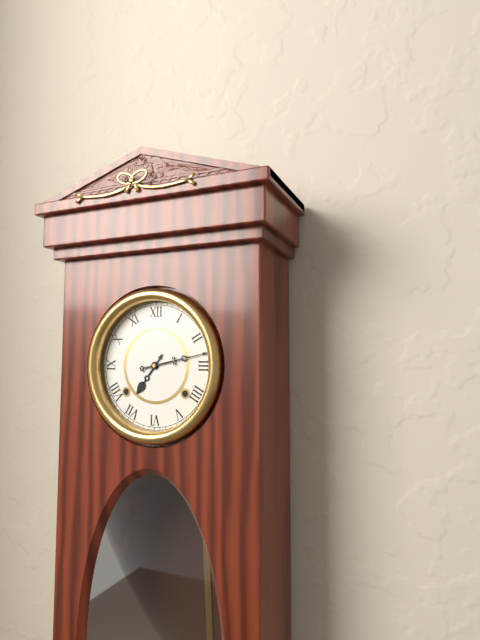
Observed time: 7:13
